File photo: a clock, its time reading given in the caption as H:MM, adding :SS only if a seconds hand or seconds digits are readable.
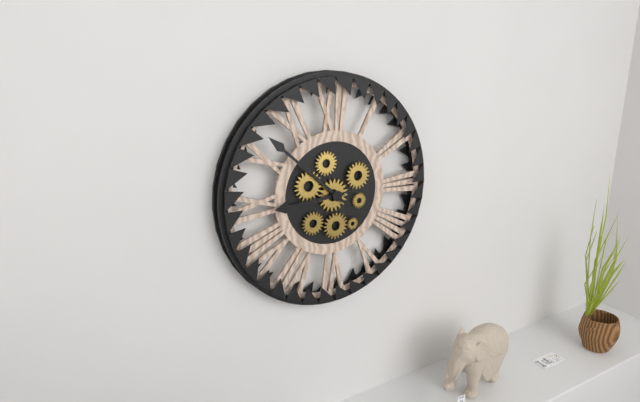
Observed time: 8:52
